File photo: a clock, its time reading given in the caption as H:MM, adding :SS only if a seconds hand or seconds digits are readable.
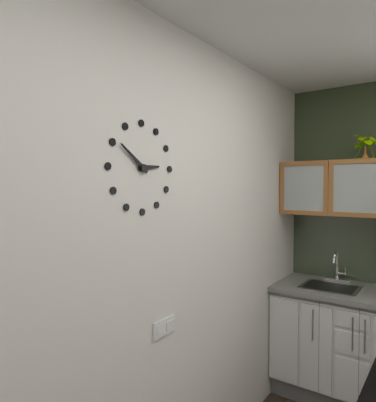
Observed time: 2:51
